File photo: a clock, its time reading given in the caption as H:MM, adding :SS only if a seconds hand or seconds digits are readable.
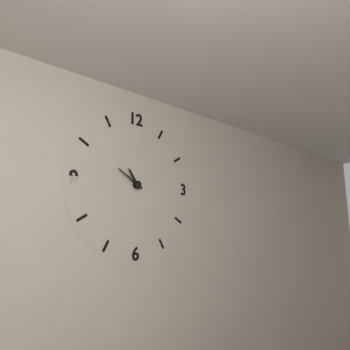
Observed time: 10:50
